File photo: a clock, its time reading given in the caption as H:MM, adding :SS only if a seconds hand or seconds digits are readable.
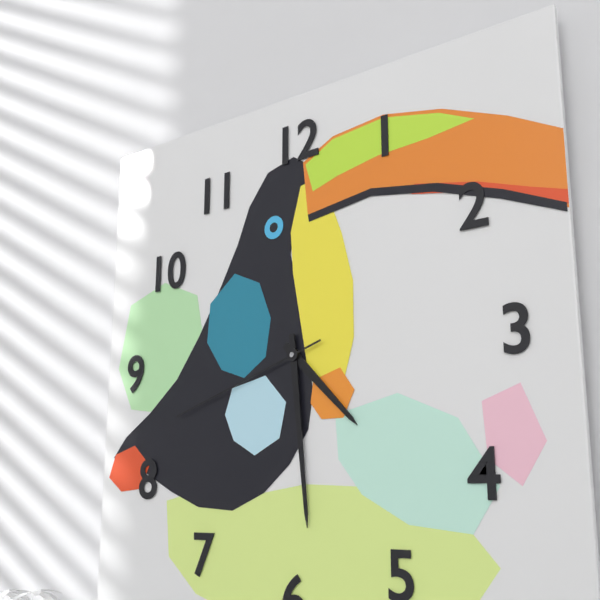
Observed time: 4:29:42
